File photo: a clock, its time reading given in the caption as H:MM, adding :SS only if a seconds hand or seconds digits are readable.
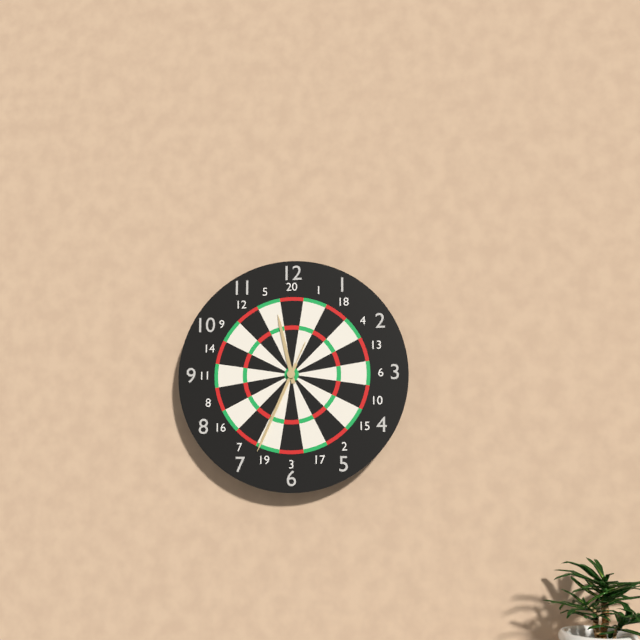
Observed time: 11:34:34
